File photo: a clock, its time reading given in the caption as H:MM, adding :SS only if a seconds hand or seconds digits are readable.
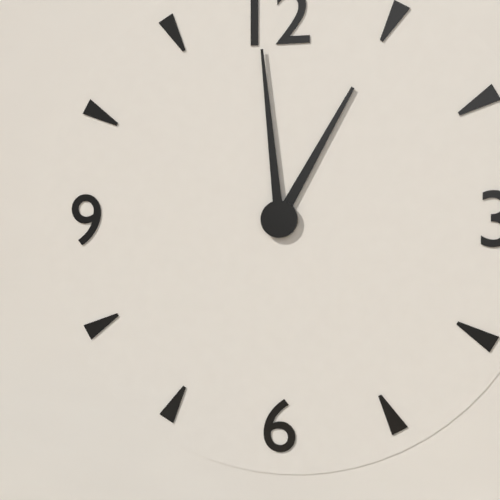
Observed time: 12:59
